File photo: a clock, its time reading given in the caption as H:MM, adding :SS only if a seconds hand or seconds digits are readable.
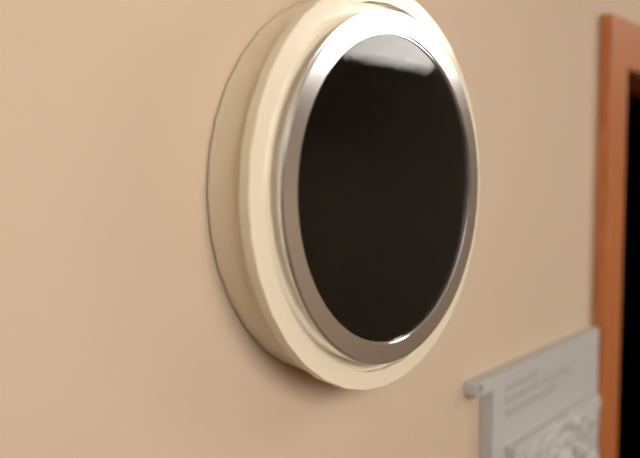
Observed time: 5:41
